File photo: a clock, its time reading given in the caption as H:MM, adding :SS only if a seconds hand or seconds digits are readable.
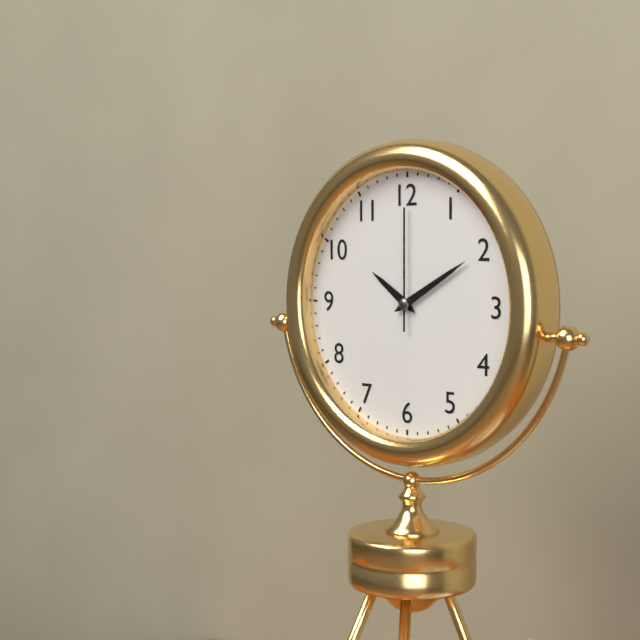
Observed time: 10:10:00
